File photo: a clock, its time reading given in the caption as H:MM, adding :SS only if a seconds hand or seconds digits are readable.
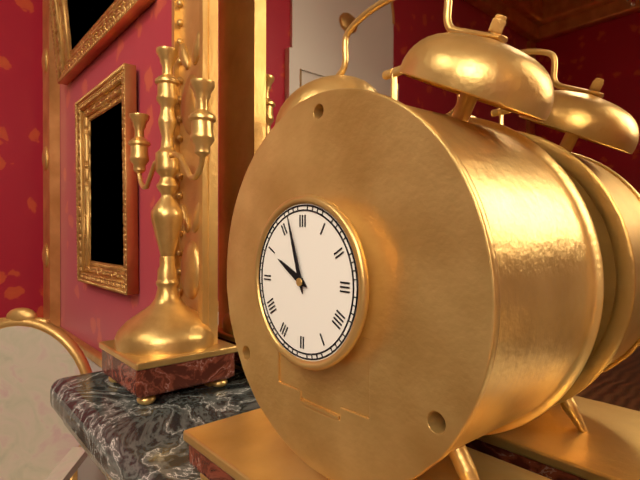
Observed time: 9:57
